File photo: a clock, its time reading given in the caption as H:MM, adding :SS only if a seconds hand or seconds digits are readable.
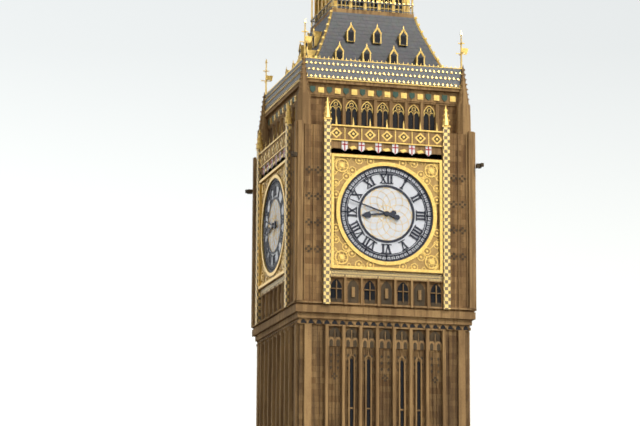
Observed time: 8:48
